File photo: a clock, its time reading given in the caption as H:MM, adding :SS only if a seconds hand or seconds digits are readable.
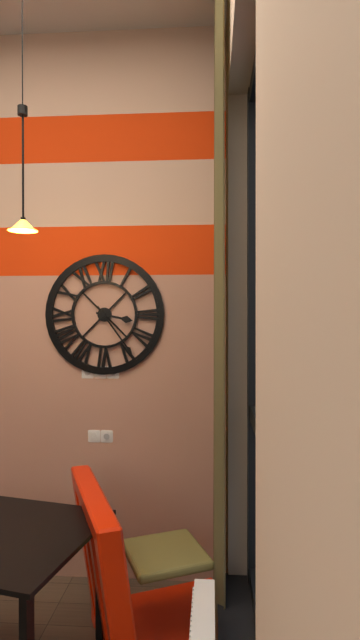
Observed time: 3:24
